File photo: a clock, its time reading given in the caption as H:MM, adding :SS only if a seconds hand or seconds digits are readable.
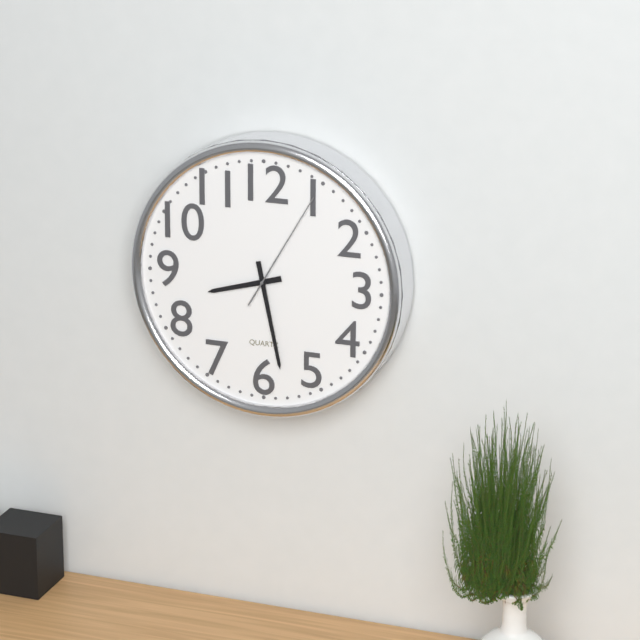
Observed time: 8:28:05
